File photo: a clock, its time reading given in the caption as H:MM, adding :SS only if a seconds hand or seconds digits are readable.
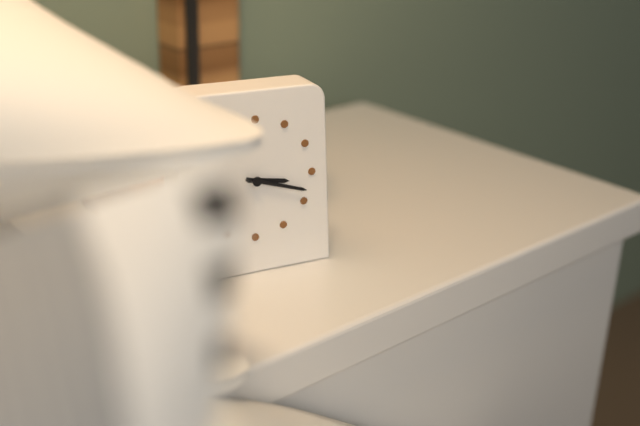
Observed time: 3:18
